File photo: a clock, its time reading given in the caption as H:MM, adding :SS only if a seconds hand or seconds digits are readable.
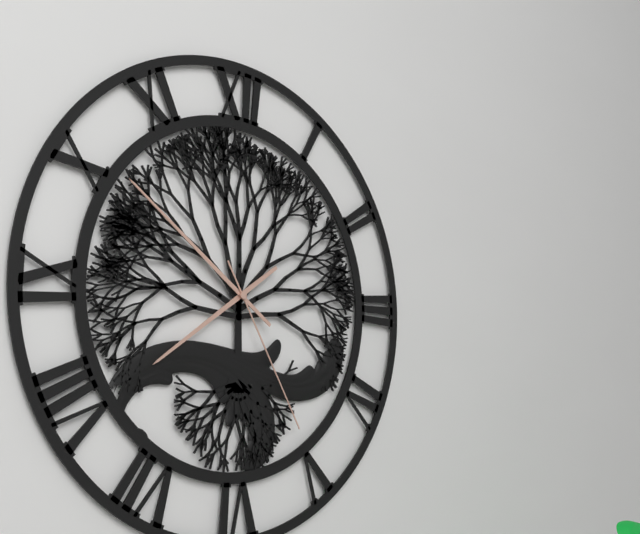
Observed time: 7:51:25
